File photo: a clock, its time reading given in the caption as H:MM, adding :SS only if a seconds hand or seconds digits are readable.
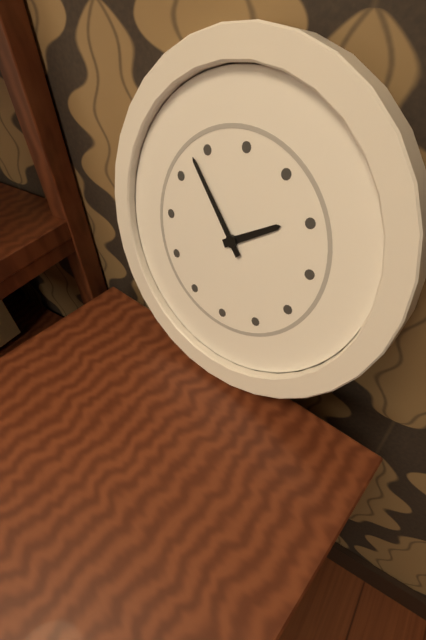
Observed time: 1:53
